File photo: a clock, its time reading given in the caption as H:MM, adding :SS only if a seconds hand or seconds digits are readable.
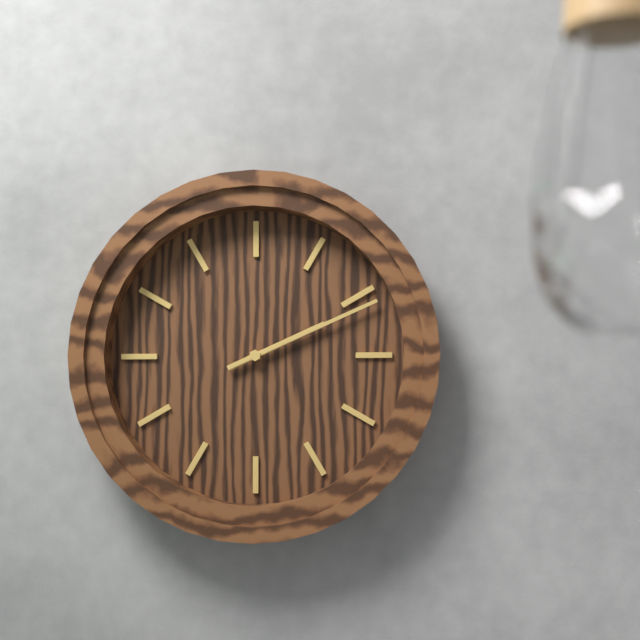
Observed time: 2:11
